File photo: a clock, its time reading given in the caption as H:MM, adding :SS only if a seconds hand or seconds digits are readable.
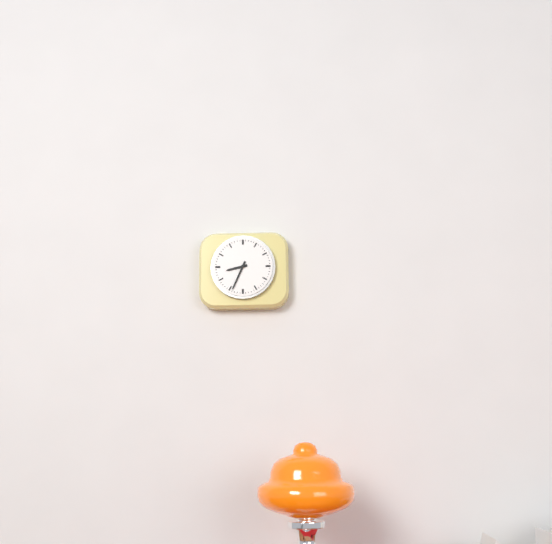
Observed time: 8:34
